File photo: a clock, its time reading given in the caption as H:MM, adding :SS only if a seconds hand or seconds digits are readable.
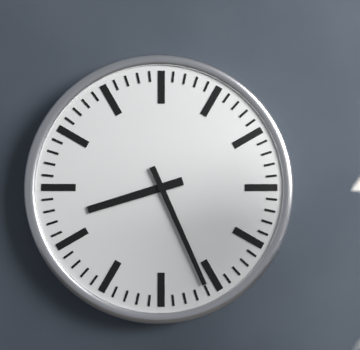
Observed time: 8:26
